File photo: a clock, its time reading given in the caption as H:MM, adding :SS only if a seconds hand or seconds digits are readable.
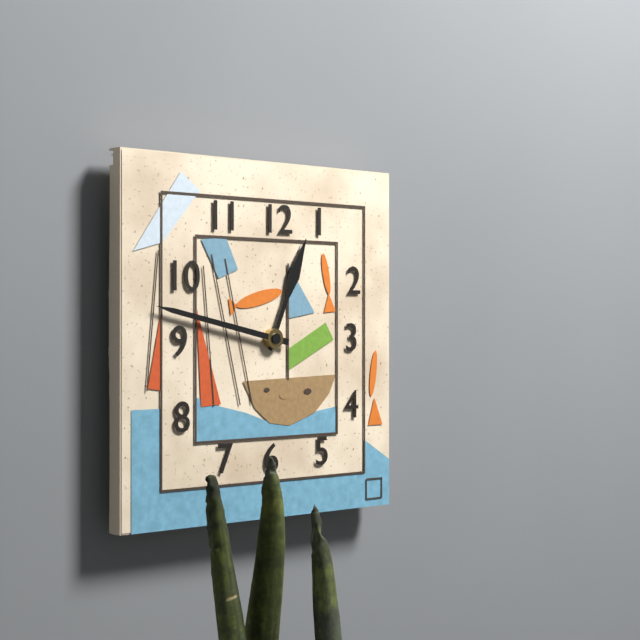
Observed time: 12:47
